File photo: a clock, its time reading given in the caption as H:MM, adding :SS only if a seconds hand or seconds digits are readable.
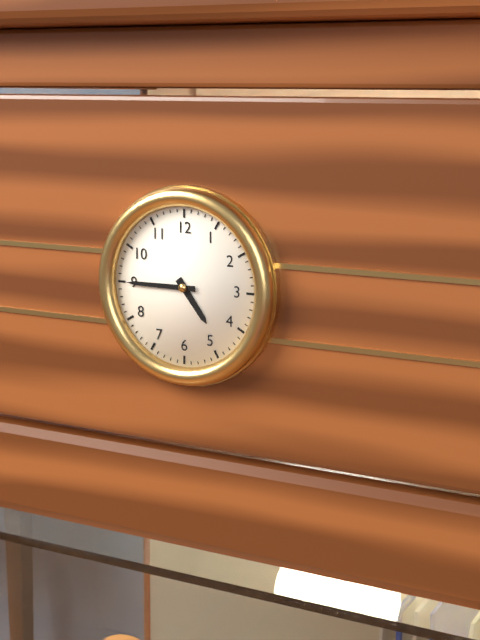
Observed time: 4:45
